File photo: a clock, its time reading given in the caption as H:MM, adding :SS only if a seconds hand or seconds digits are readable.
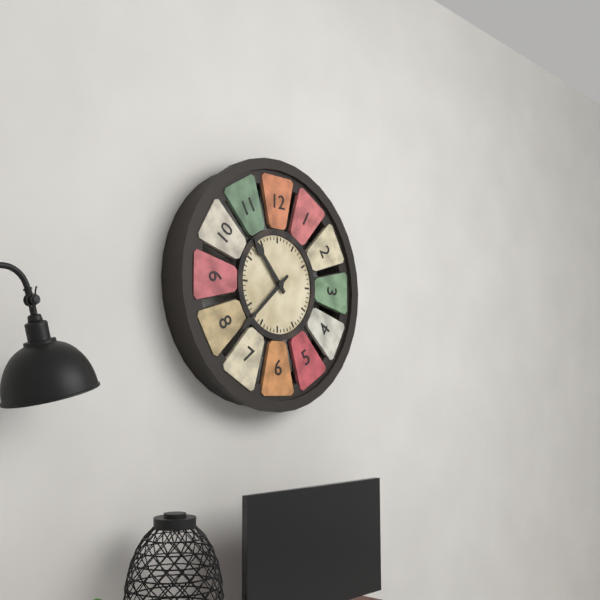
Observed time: 10:38
